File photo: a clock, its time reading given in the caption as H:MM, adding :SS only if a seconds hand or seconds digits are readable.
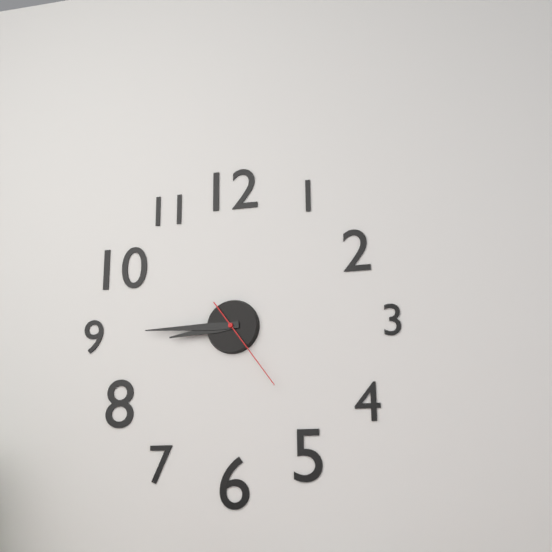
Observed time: 8:45:24
